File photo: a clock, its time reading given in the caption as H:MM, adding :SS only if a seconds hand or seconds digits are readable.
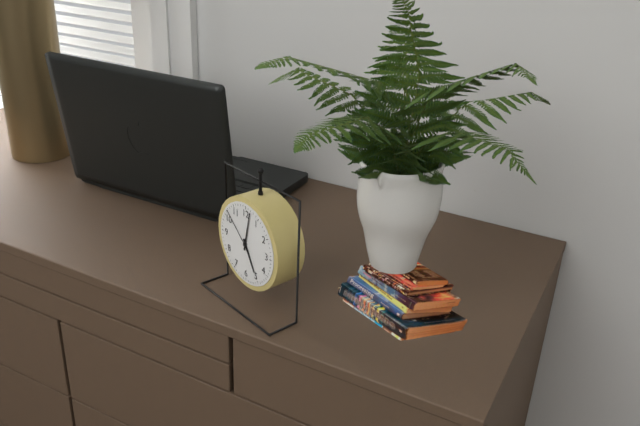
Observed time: 5:02:52
